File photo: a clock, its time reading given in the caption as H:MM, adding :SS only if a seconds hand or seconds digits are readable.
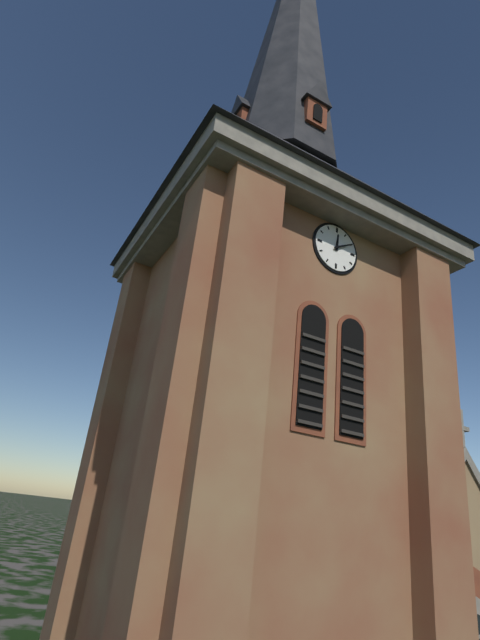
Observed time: 12:10
